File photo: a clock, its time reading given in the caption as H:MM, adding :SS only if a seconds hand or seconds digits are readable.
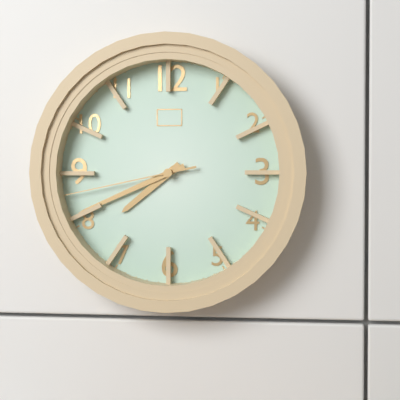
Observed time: 7:41:43
